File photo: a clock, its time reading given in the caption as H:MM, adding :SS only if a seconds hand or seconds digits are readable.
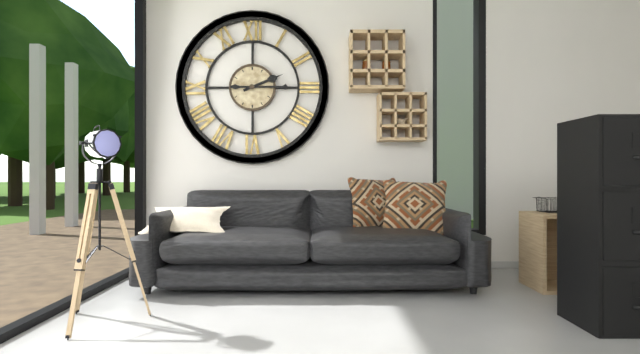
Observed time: 2:15
